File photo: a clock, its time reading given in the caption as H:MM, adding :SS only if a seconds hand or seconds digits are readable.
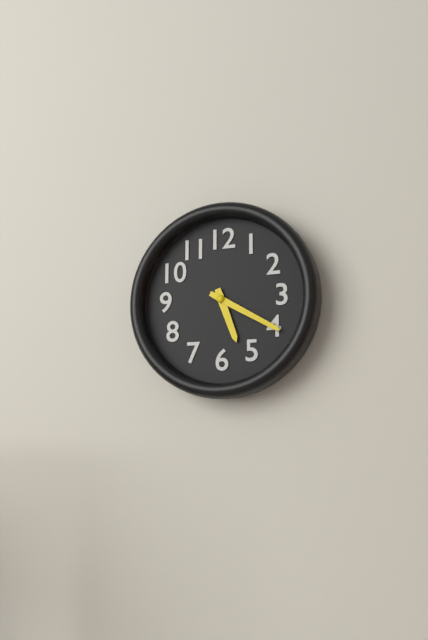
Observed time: 5:20
